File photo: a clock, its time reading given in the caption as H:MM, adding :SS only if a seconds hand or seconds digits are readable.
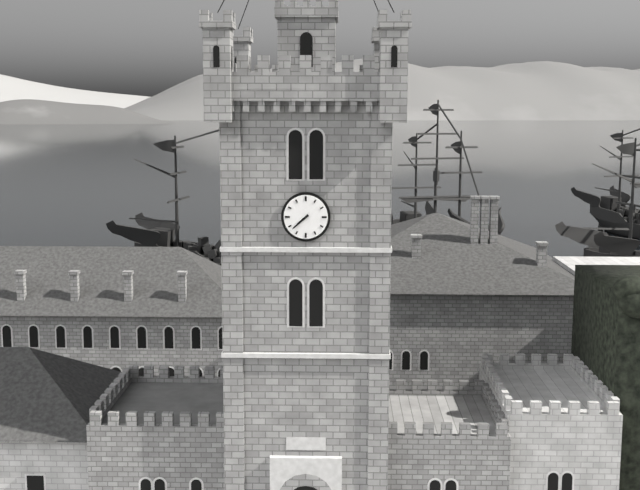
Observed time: 7:38
